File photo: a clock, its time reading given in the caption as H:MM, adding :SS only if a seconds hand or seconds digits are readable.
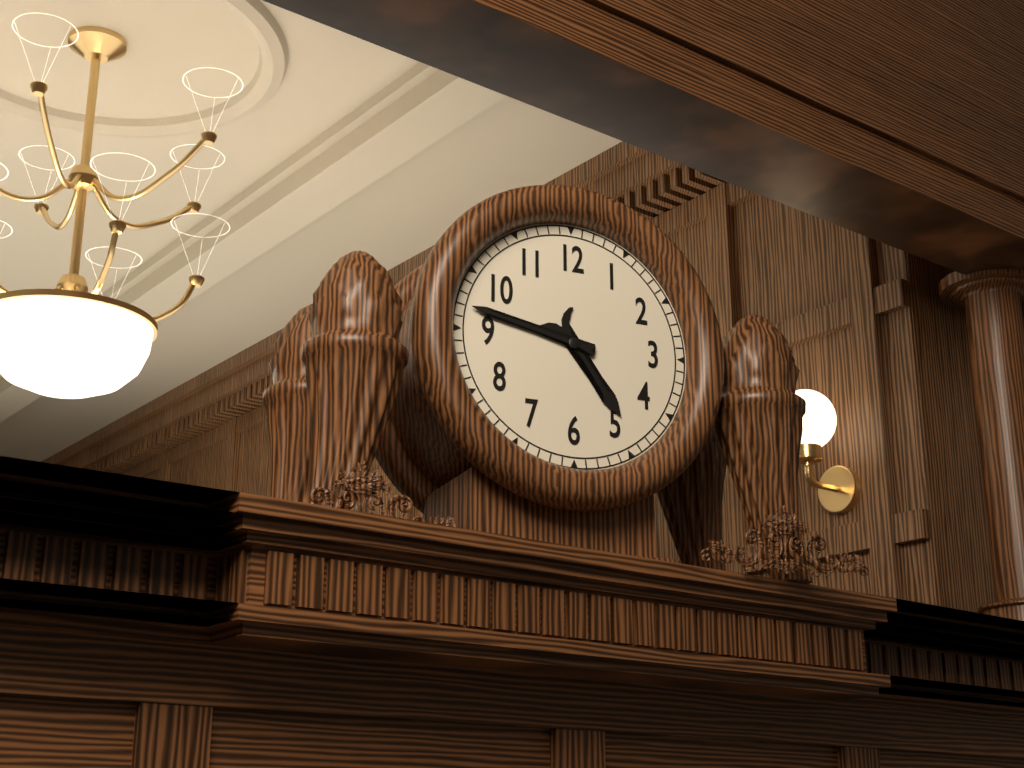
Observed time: 4:47
